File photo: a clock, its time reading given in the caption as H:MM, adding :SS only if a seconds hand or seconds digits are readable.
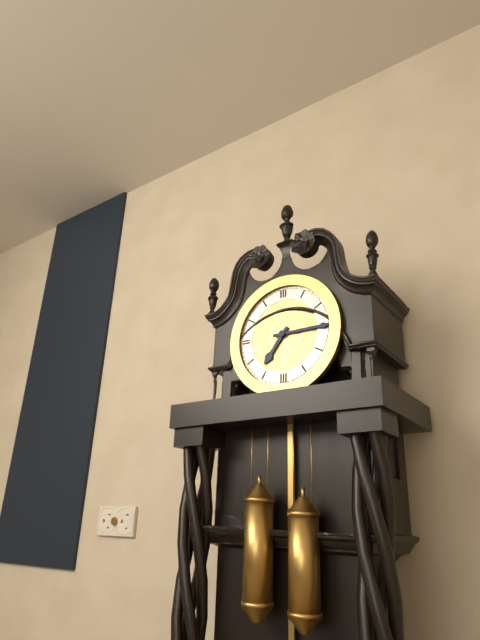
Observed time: 7:15
